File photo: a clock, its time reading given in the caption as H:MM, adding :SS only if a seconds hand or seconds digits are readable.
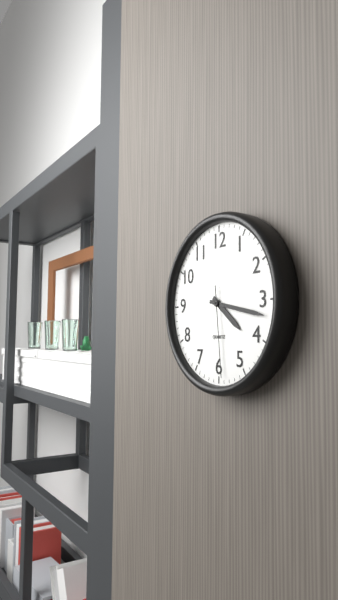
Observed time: 4:17:29
